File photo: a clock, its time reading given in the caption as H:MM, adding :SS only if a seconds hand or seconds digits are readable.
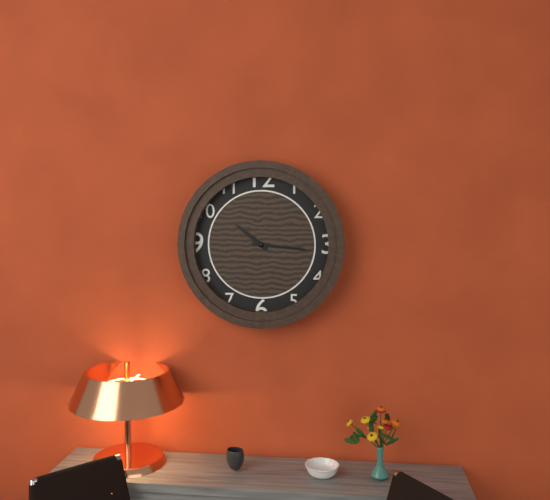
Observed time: 10:16
